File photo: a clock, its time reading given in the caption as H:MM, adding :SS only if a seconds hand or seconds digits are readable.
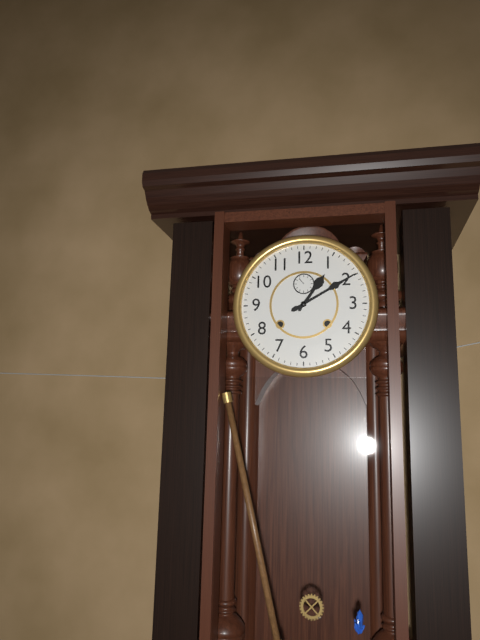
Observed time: 1:10
